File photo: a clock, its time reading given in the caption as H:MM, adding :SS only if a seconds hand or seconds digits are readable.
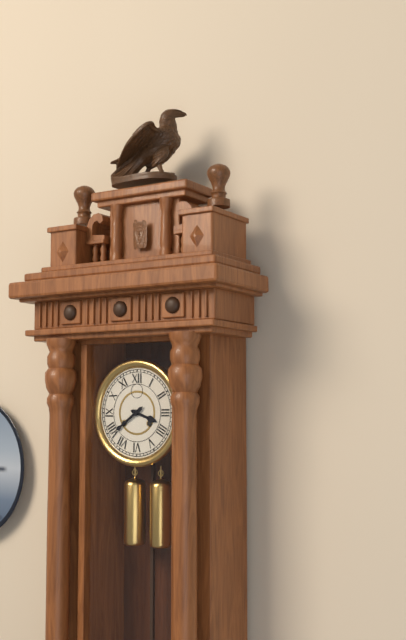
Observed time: 3:39
